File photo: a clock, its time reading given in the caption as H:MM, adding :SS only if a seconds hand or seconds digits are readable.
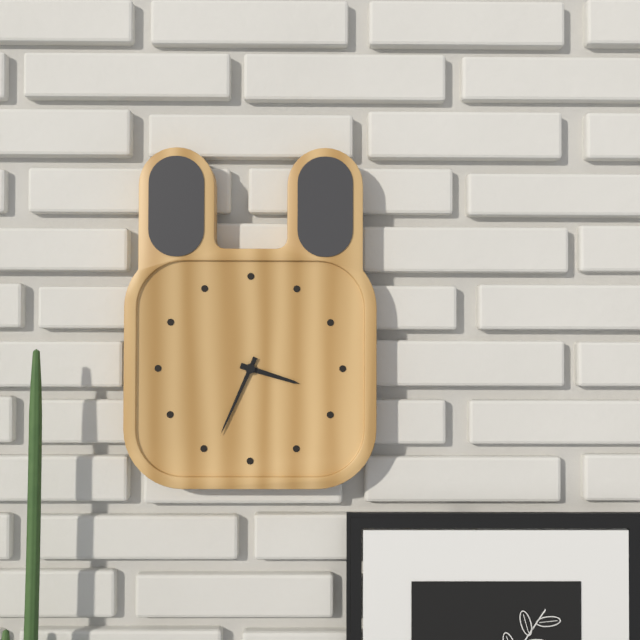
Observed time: 3:34
